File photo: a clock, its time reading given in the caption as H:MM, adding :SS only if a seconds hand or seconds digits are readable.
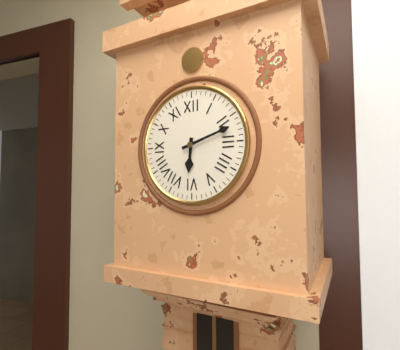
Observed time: 6:12
